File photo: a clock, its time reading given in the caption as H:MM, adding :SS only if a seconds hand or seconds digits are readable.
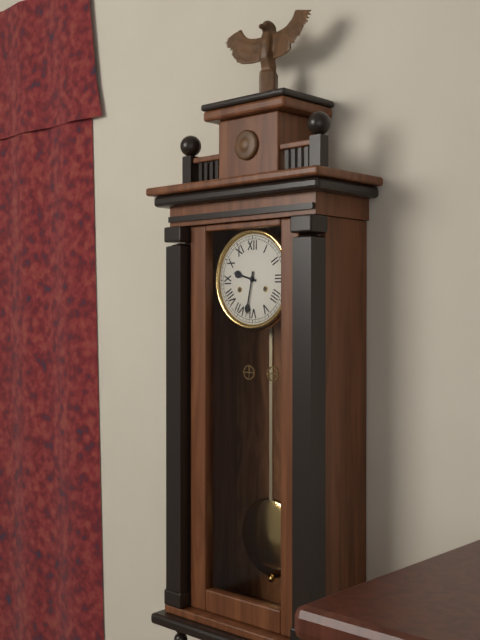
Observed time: 9:32
